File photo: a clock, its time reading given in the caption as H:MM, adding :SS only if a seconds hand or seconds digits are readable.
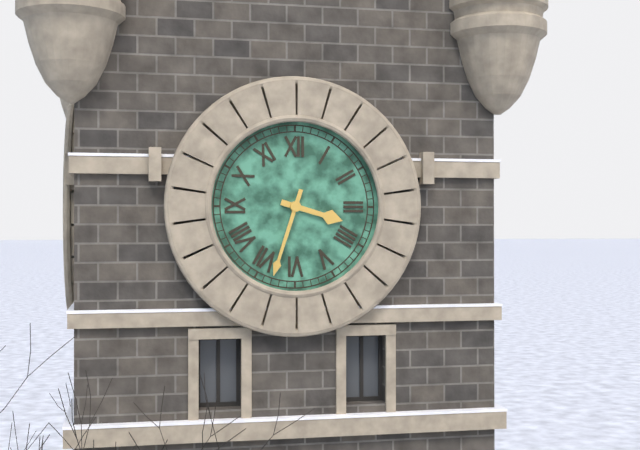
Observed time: 3:33
